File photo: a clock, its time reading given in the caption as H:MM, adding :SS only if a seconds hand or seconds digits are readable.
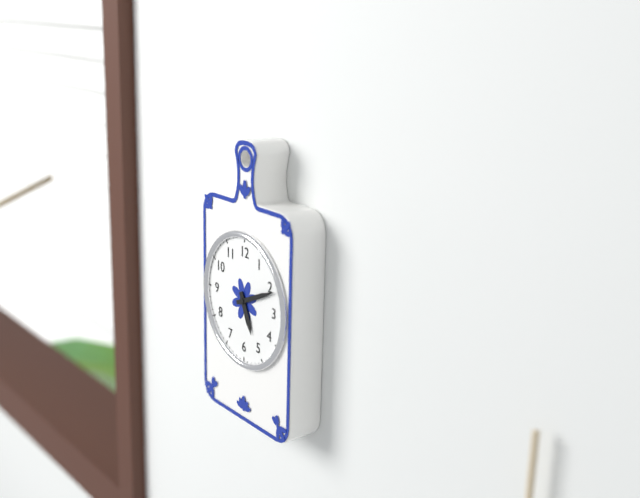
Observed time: 5:11
